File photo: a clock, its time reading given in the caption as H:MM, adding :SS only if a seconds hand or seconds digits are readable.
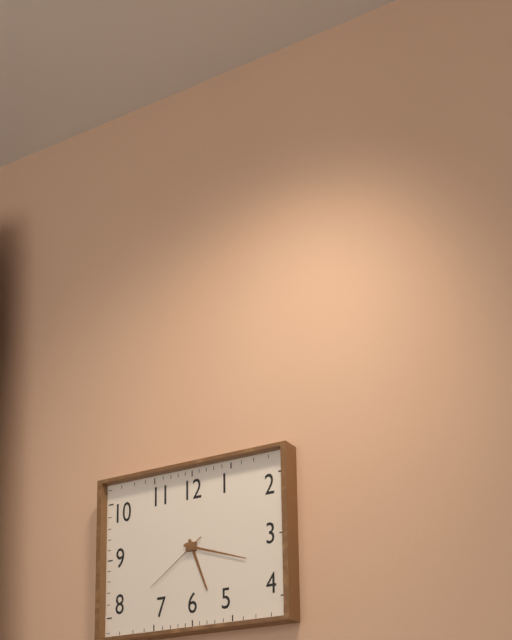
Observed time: 5:18:39
